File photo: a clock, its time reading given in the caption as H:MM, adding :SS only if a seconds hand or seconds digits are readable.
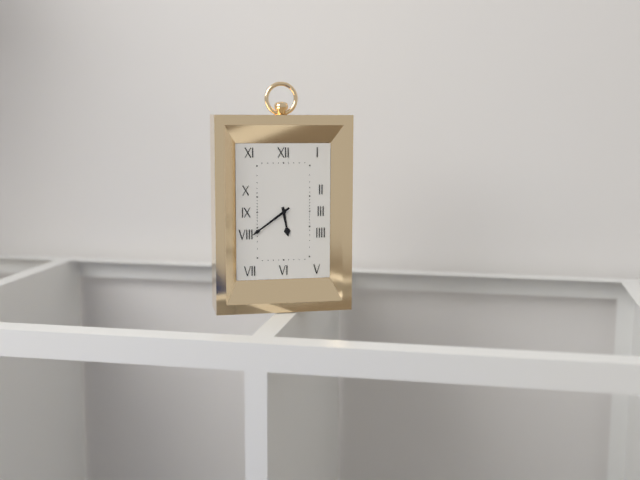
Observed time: 5:39
